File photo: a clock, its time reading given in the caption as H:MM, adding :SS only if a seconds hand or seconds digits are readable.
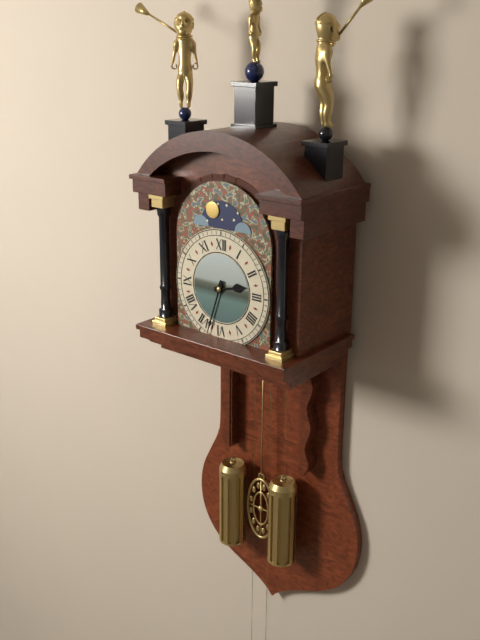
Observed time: 2:33
